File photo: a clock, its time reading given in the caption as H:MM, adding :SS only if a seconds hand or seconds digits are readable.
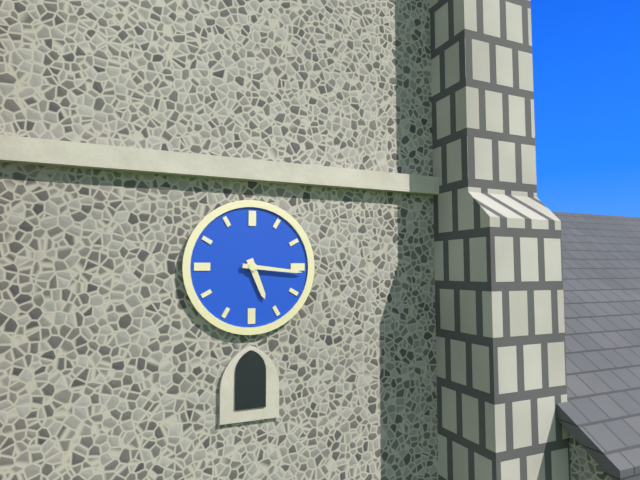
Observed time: 5:16
